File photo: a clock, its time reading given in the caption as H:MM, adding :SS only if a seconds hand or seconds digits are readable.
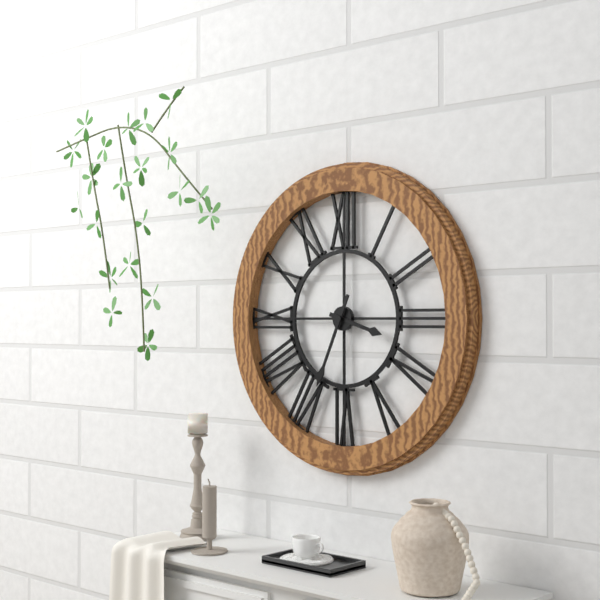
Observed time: 3:34
